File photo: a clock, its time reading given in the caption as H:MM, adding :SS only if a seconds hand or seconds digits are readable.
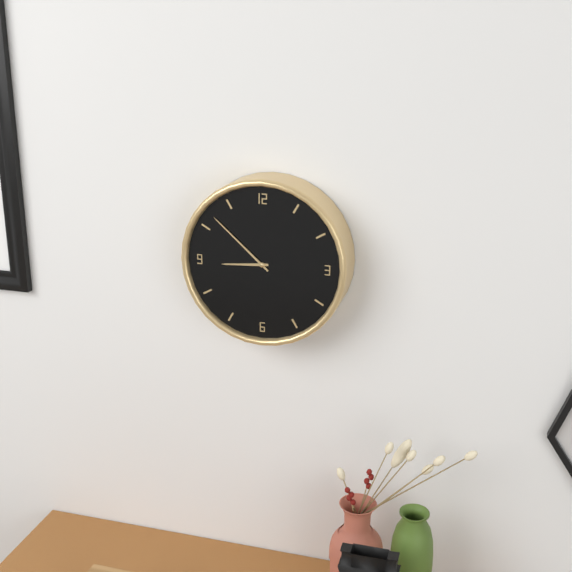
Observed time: 8:52
